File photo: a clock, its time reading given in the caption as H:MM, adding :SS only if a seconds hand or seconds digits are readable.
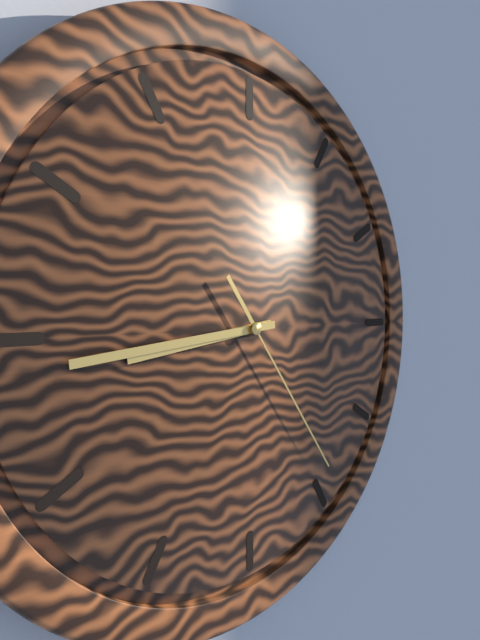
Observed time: 8:44:24
